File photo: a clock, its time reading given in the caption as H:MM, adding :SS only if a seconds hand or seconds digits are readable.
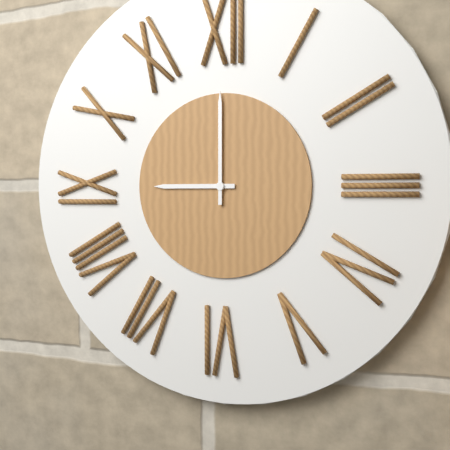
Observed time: 9:00
